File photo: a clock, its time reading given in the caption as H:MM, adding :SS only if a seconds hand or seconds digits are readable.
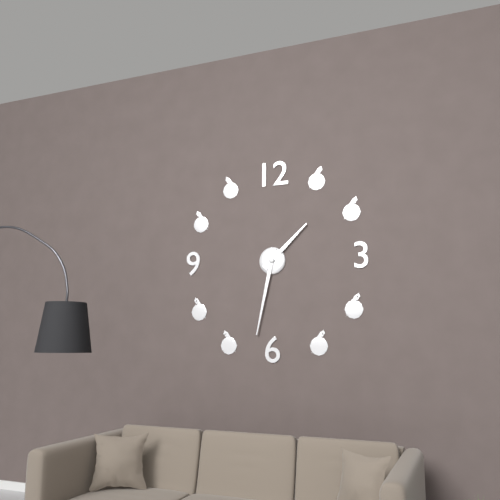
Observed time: 1:32
